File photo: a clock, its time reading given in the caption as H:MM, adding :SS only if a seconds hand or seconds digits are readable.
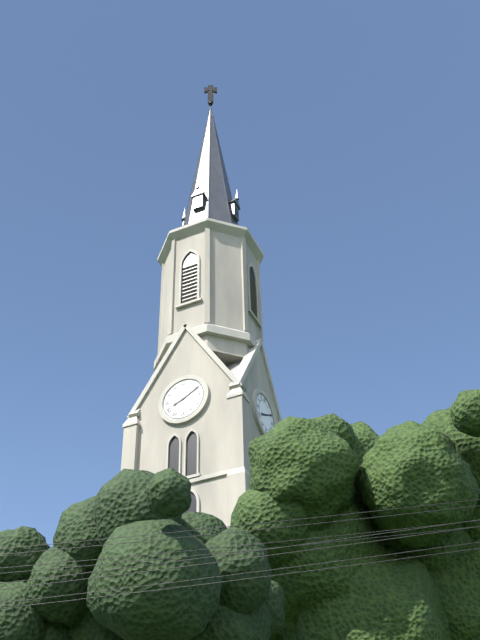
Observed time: 8:10
